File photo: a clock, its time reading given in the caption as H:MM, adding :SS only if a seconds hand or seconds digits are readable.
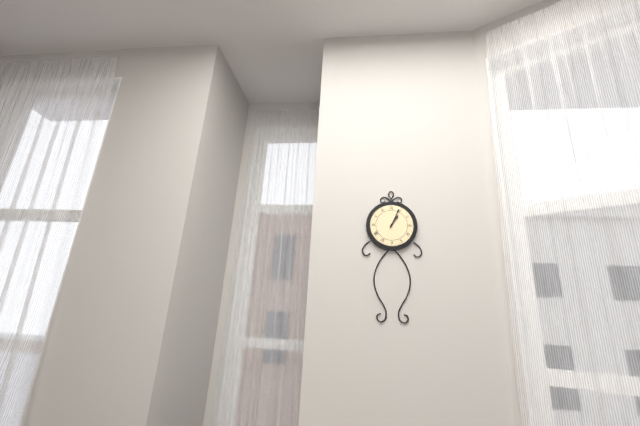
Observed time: 1:04
